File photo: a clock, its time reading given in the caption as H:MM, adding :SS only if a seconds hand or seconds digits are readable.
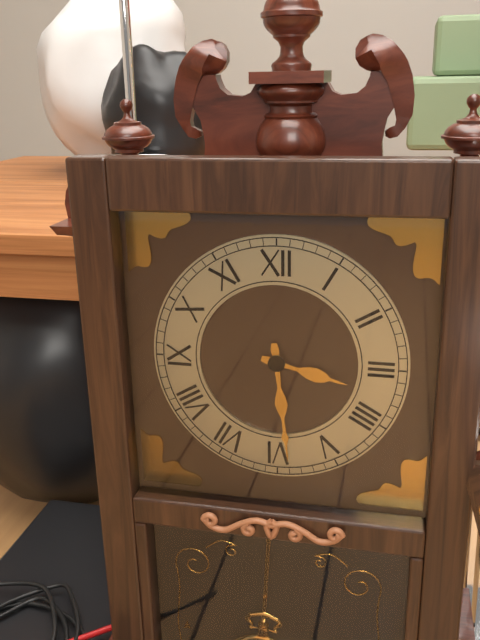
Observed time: 3:29
